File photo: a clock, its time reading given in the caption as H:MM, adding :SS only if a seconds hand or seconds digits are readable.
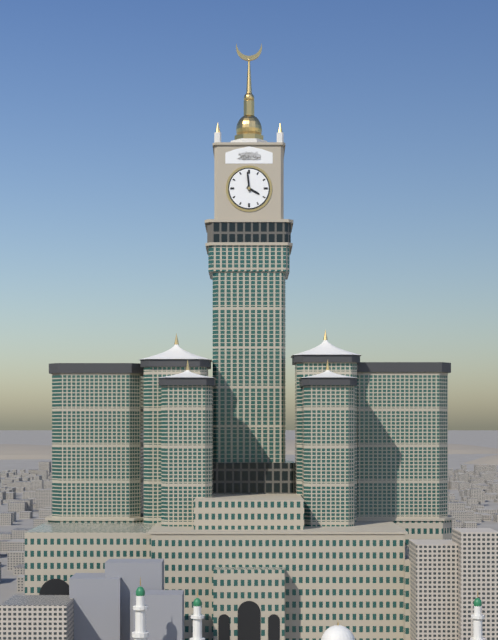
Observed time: 3:59
